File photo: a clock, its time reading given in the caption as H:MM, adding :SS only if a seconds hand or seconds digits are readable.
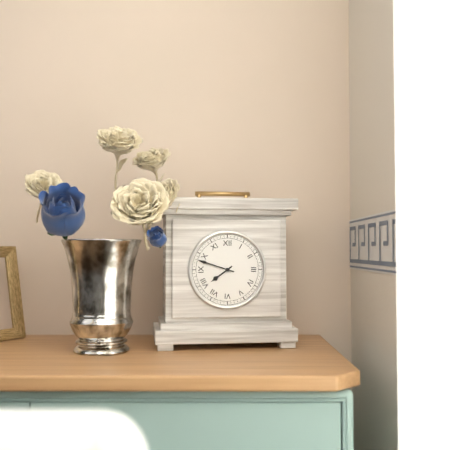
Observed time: 7:48
